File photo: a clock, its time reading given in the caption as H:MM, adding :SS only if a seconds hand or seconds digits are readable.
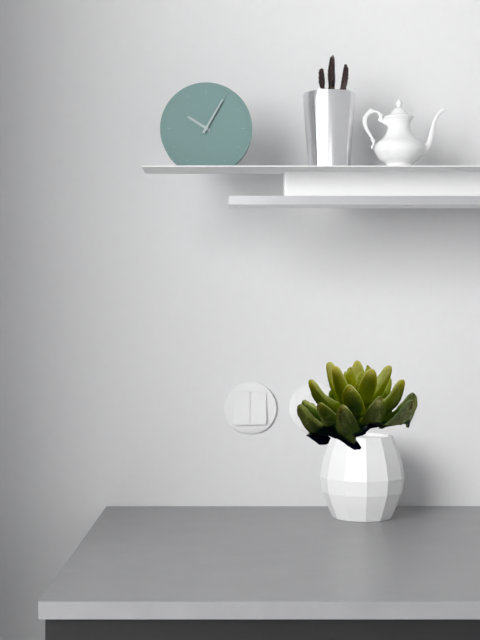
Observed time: 10:05
